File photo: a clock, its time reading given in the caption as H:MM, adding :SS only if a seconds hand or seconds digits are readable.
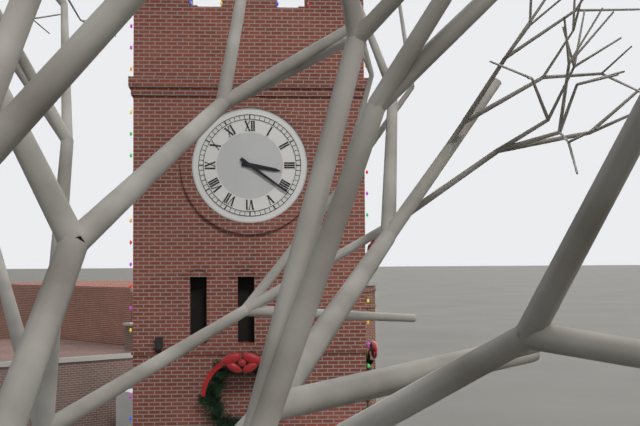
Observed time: 3:21
